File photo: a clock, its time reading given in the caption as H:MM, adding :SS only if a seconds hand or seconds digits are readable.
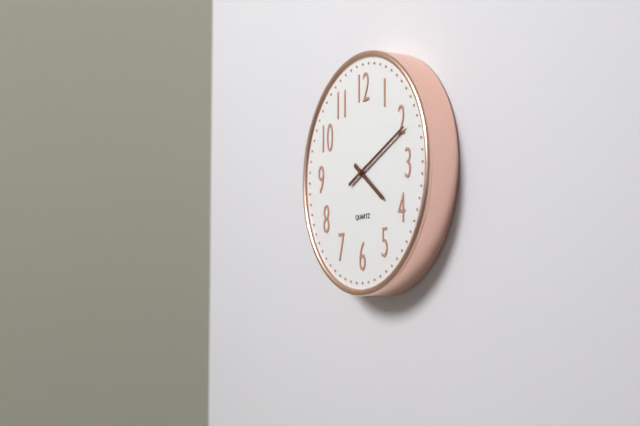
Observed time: 4:11
